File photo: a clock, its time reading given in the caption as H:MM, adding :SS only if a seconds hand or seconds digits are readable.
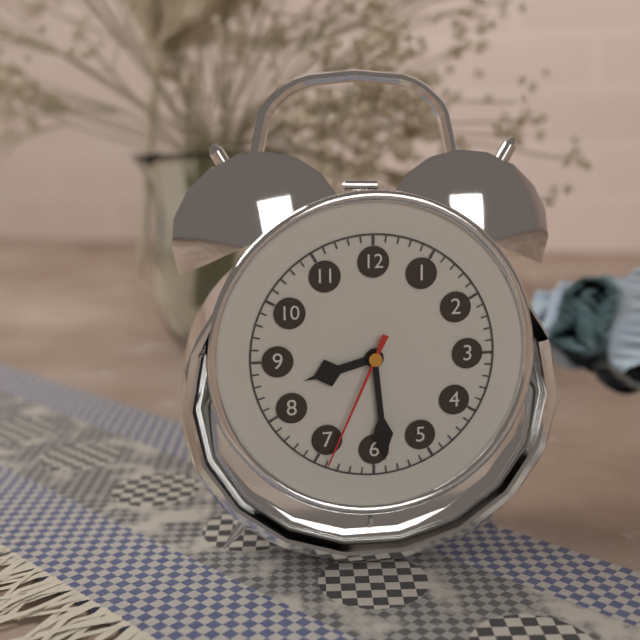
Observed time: 8:29:34
